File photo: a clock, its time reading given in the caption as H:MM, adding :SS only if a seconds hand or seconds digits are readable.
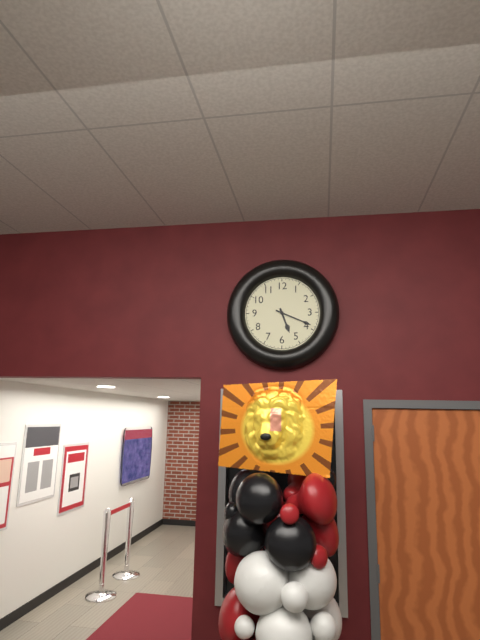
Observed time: 5:19
